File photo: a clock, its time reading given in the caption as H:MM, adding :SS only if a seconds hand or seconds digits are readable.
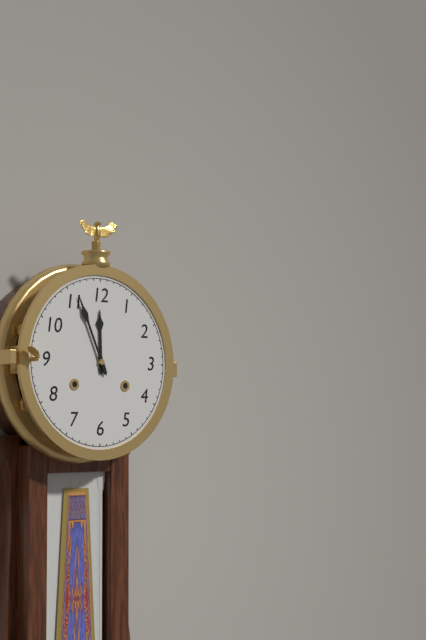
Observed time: 11:56
